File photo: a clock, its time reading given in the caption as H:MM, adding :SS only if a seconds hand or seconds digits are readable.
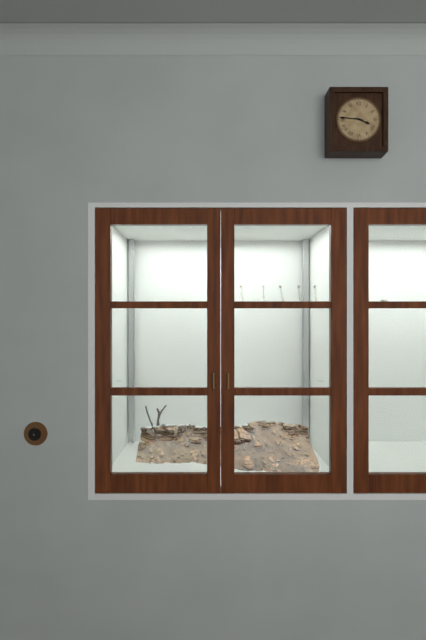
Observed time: 3:46
